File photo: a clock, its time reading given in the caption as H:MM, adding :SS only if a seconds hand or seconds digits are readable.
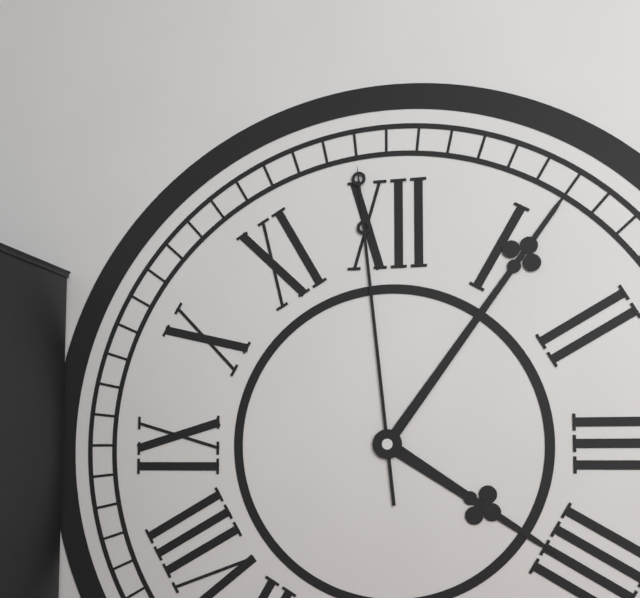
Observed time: 4:06:59
